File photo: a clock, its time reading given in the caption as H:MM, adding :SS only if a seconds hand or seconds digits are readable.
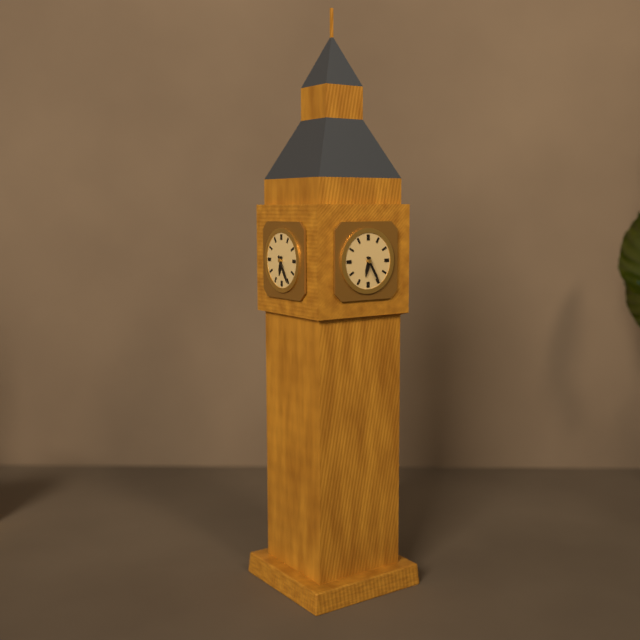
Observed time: 6:25
